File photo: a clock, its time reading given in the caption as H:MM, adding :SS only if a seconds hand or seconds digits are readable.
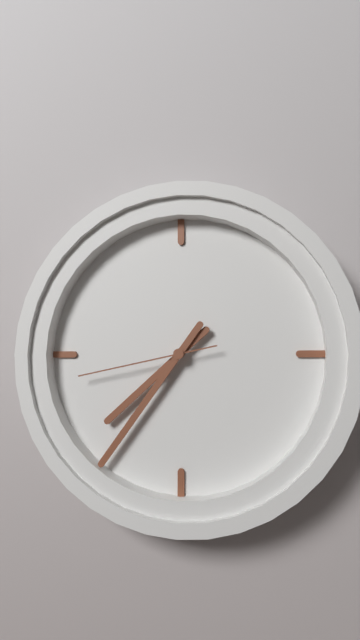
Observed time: 7:36:43
